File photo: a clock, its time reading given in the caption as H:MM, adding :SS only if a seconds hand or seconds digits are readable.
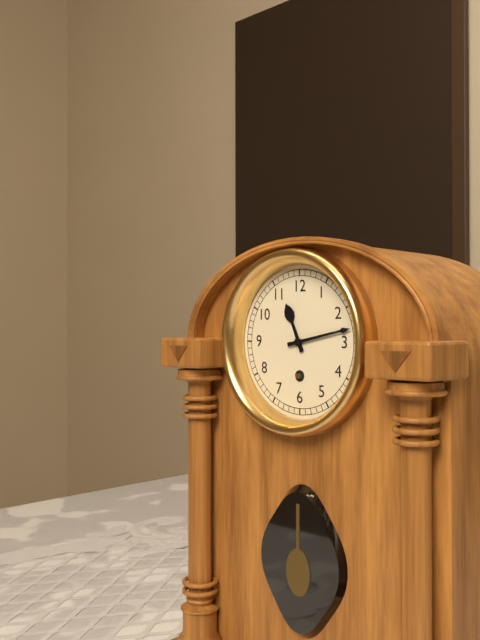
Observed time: 11:13
